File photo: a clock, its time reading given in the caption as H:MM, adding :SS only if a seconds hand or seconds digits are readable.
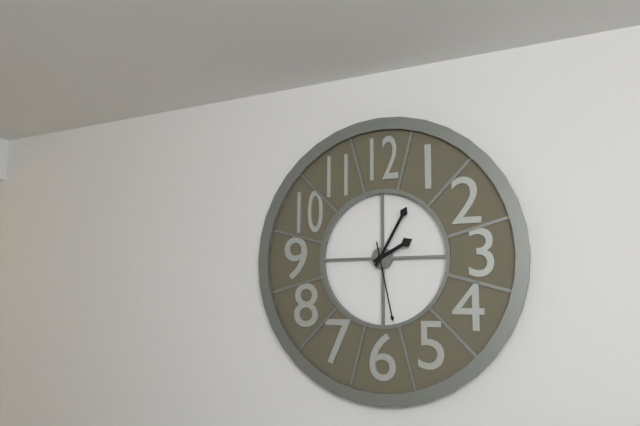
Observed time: 2:05:28
